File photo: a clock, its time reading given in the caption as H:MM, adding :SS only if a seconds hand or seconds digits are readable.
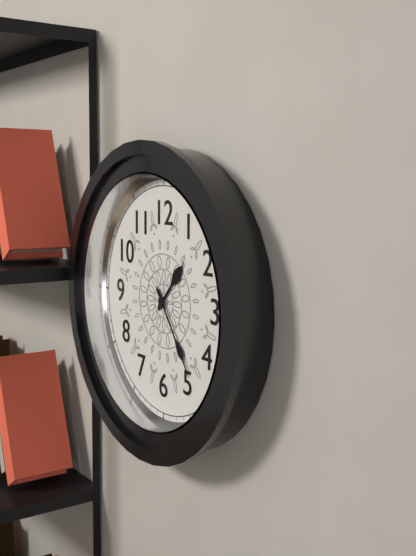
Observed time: 1:24
